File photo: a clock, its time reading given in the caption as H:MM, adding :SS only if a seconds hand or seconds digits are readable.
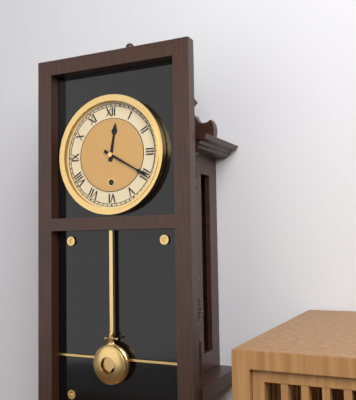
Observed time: 12:20
